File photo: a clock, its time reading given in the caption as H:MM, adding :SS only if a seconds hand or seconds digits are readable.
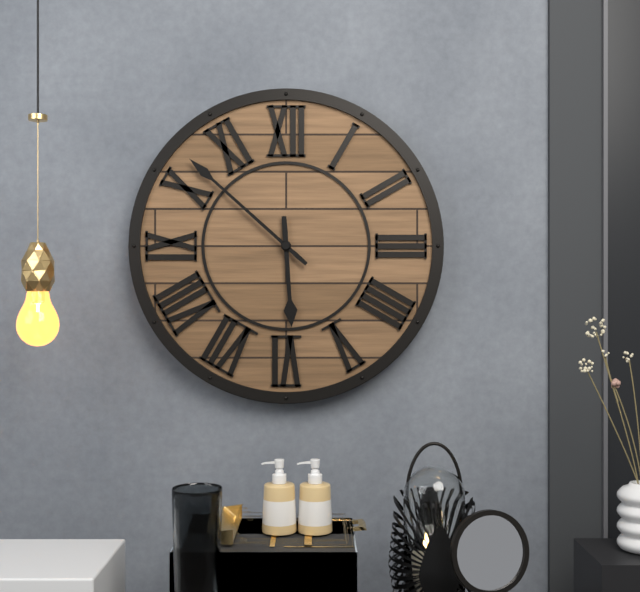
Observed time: 5:52
